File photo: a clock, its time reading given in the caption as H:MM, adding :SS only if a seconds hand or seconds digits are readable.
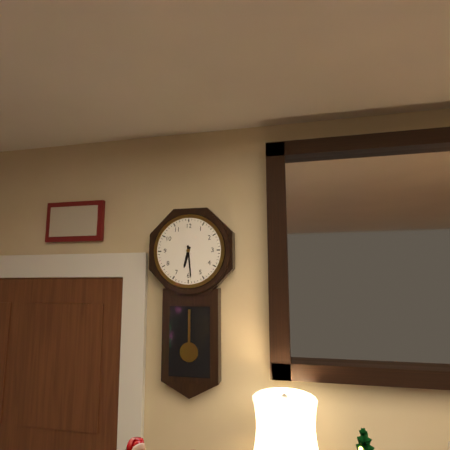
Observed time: 6:29
